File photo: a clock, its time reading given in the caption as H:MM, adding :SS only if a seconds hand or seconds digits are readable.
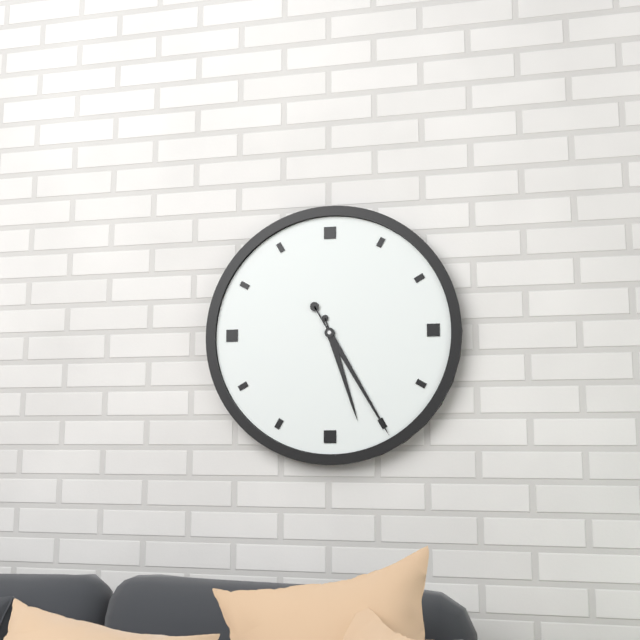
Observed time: 5:25
